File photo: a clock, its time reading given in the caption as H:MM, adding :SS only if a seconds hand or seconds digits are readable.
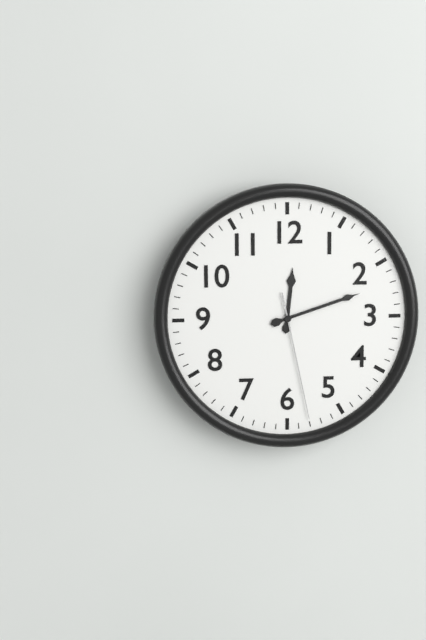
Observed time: 12:12:28
